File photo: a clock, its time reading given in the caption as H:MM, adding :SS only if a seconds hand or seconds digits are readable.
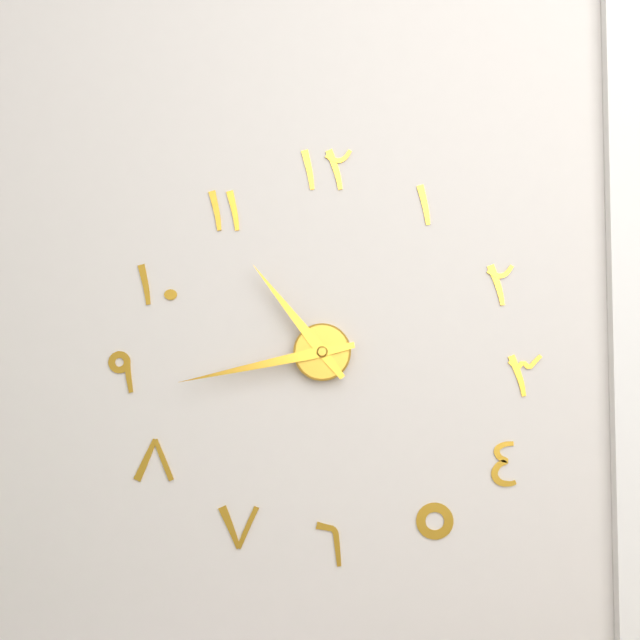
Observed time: 10:43
